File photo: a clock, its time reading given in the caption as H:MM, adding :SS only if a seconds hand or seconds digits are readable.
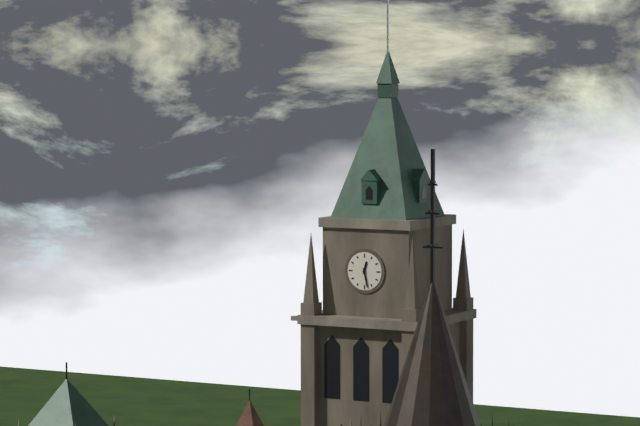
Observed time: 12:28
